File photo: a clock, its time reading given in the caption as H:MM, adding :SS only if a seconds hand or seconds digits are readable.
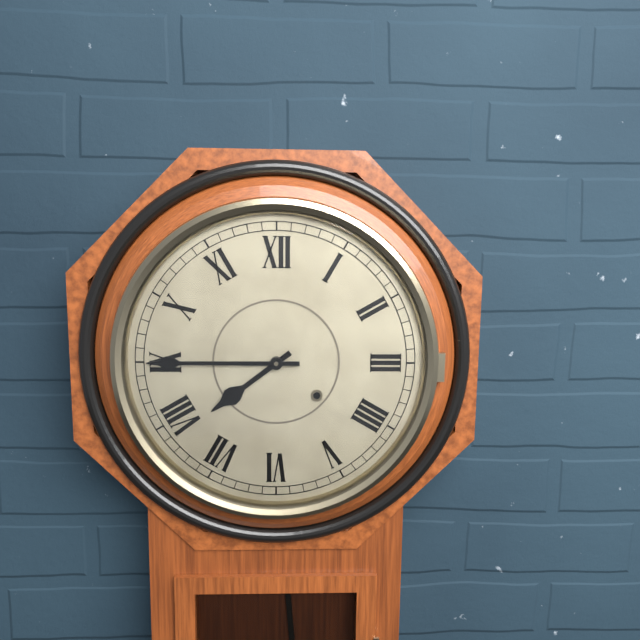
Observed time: 7:45
